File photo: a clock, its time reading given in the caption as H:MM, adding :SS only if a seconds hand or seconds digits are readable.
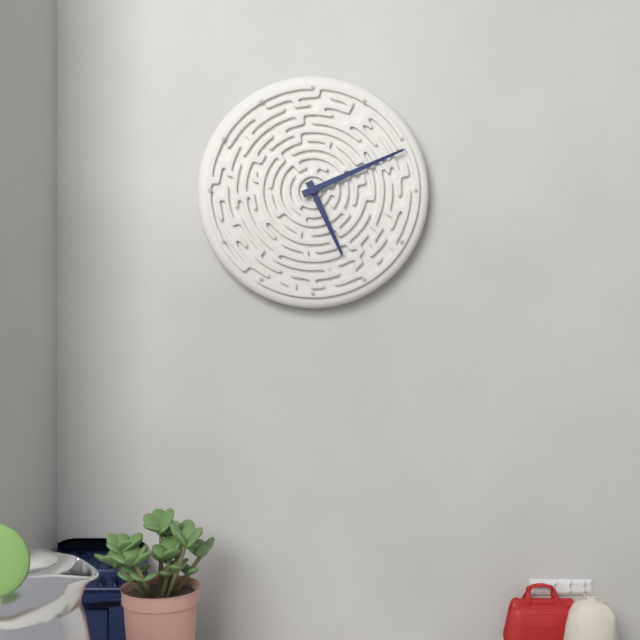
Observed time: 5:11
